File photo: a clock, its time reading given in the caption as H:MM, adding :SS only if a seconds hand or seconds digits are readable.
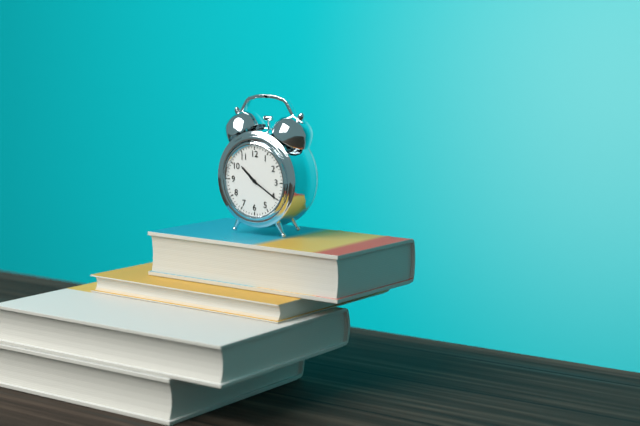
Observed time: 10:20
